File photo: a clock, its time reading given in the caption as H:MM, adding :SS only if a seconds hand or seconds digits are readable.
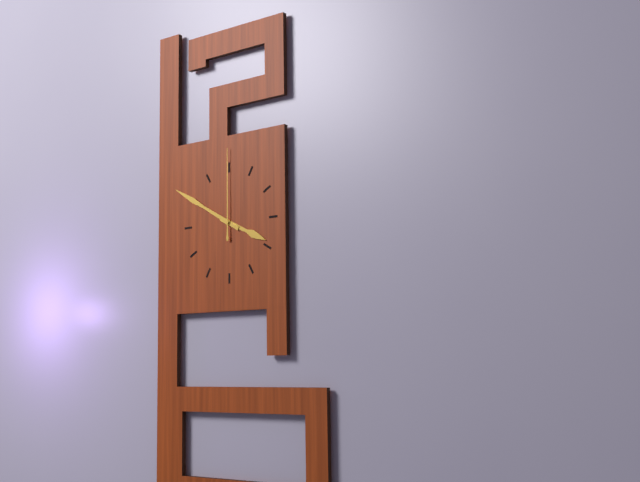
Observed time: 3:50:00
